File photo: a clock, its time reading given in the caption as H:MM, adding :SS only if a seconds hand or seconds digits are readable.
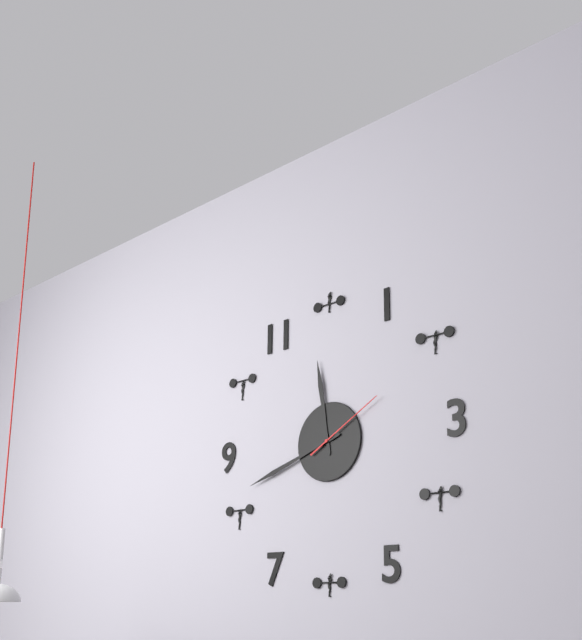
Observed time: 11:42:10
